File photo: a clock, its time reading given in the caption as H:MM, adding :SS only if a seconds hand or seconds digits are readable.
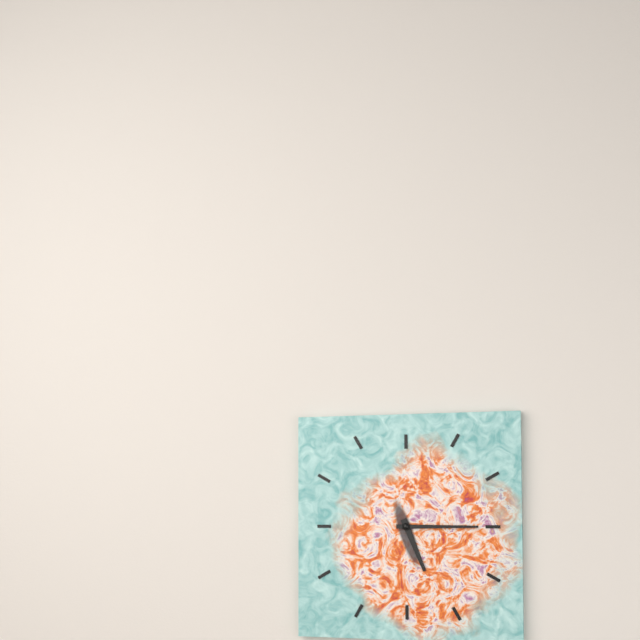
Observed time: 5:15
